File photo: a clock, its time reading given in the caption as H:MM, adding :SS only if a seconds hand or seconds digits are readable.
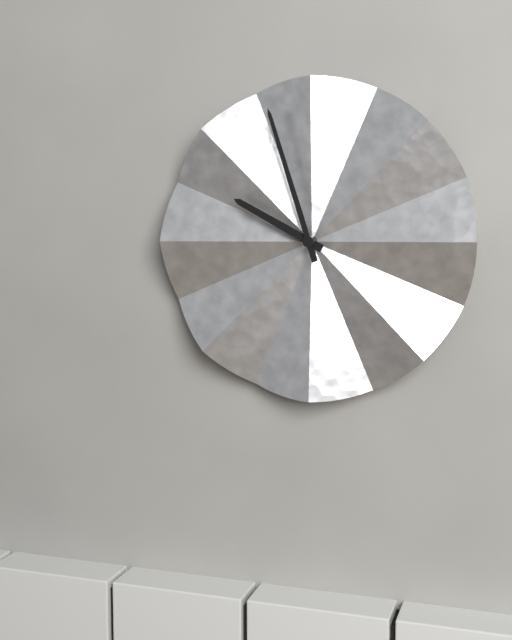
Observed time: 9:57
